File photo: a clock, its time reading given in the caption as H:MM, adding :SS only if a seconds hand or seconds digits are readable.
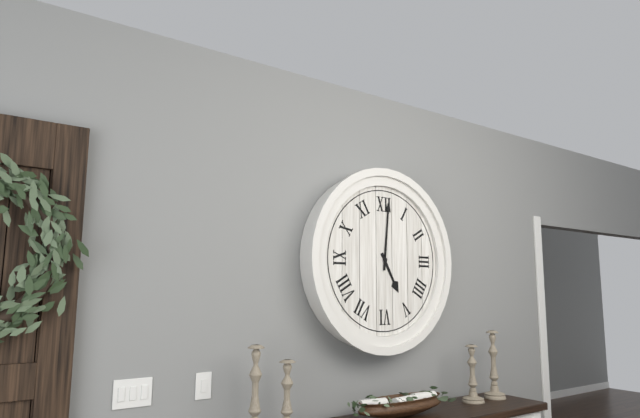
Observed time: 5:01
